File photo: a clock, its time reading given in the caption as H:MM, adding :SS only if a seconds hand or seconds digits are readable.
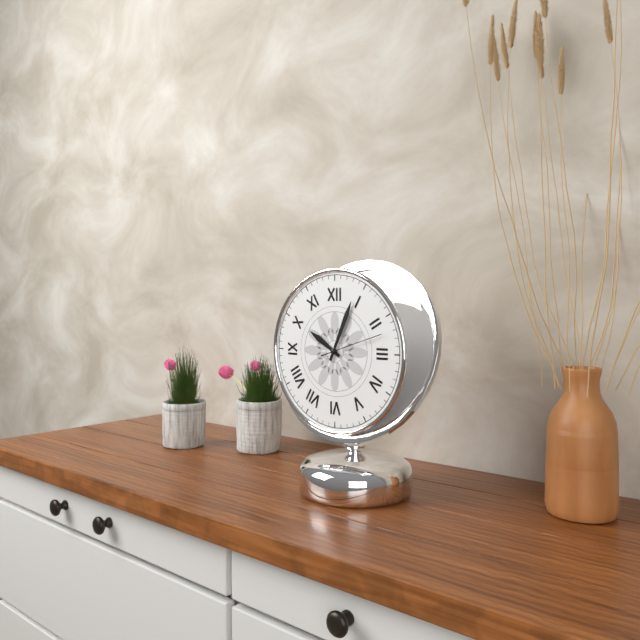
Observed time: 10:04:12
